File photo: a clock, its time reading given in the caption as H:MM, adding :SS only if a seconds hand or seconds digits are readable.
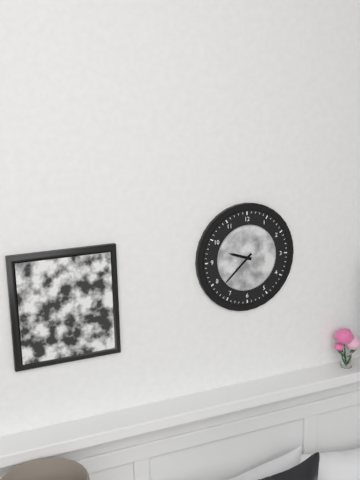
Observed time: 9:38
